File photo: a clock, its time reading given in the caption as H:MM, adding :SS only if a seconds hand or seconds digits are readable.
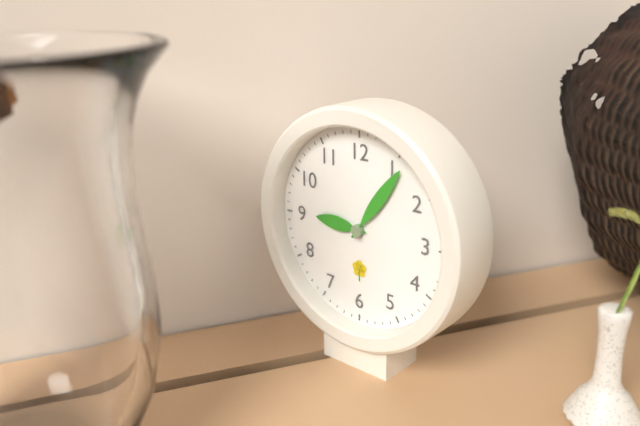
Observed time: 9:06
